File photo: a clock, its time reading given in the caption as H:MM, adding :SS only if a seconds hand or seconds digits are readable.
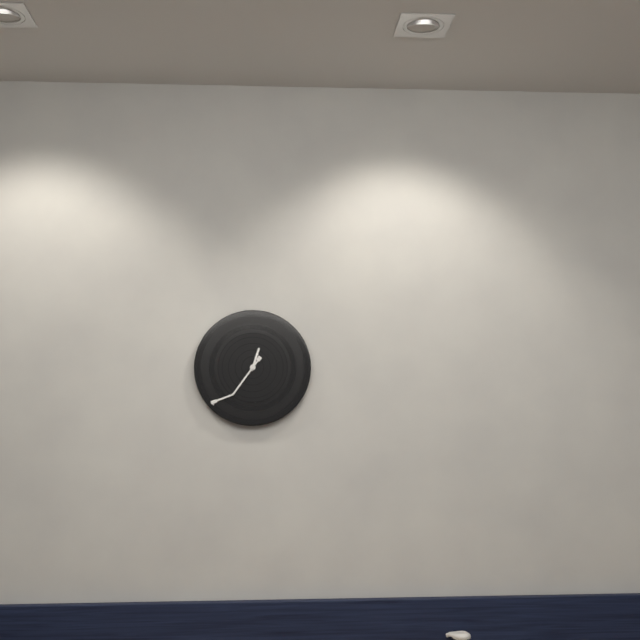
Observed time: 12:36
